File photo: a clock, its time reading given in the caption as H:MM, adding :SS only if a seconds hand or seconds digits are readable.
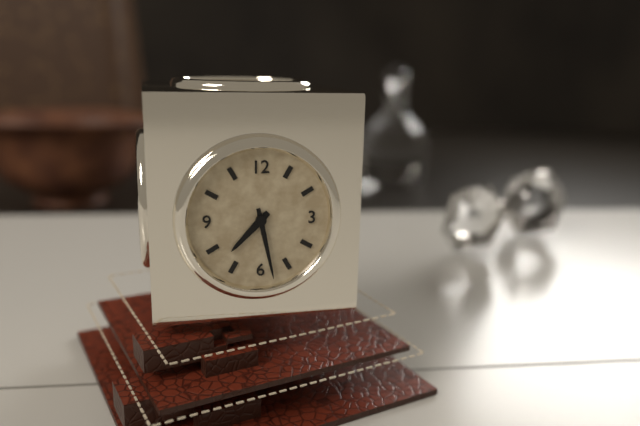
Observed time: 7:28
